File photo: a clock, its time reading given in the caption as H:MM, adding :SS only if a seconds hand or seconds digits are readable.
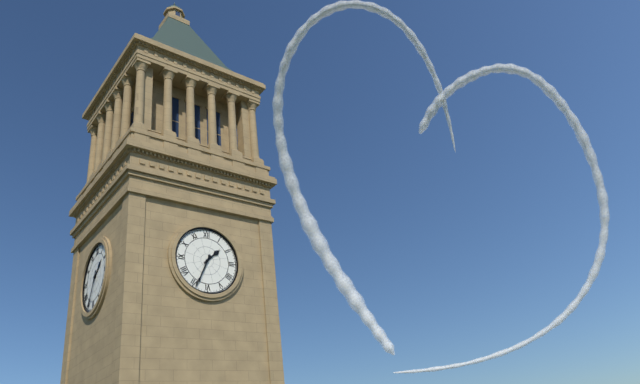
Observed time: 1:34
